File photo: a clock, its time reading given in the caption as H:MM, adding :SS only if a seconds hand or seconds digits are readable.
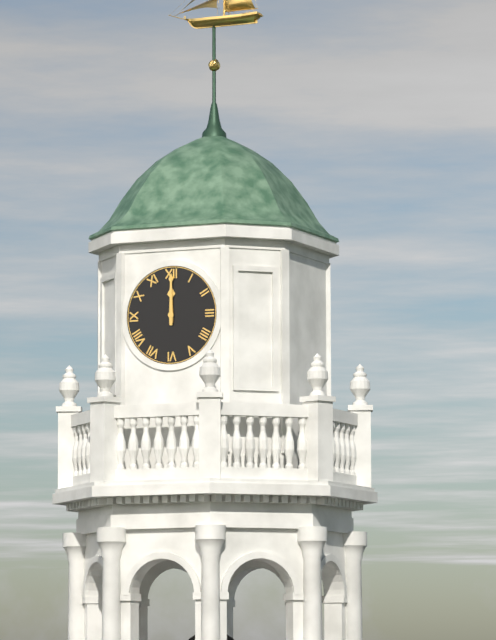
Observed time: 12:00
